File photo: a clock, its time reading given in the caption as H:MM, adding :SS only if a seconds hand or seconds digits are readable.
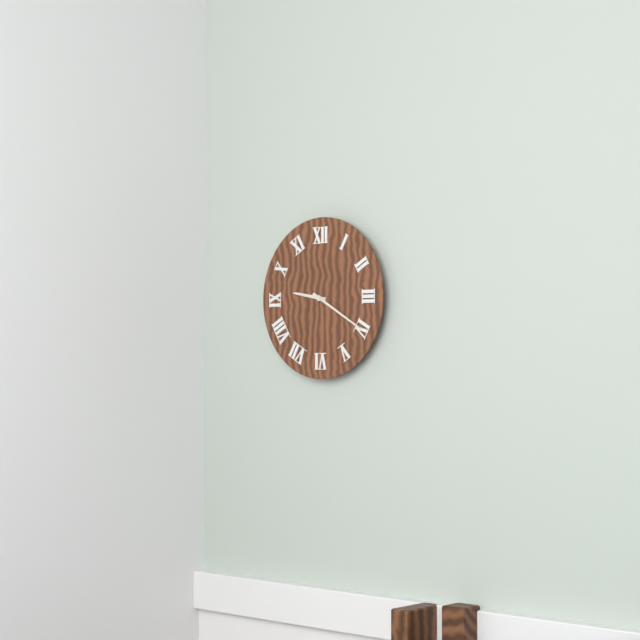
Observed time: 9:20
